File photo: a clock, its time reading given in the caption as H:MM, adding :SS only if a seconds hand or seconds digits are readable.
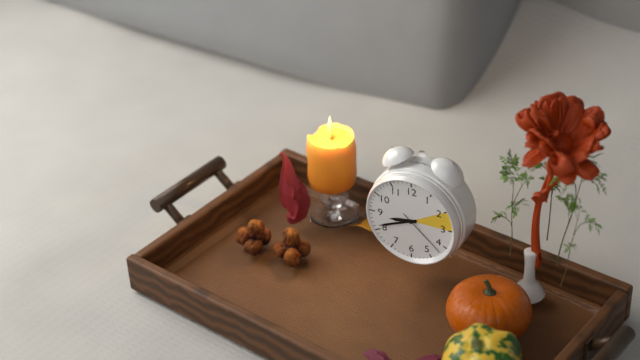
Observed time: 8:41:22
